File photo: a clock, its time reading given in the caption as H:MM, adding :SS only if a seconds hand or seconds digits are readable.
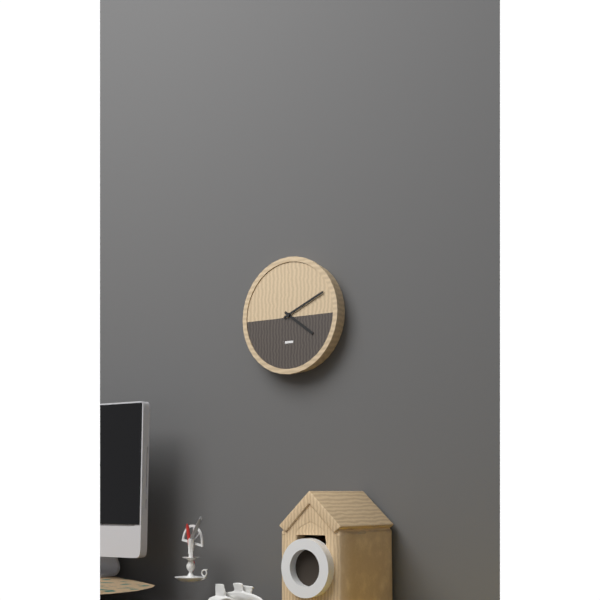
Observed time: 4:11
